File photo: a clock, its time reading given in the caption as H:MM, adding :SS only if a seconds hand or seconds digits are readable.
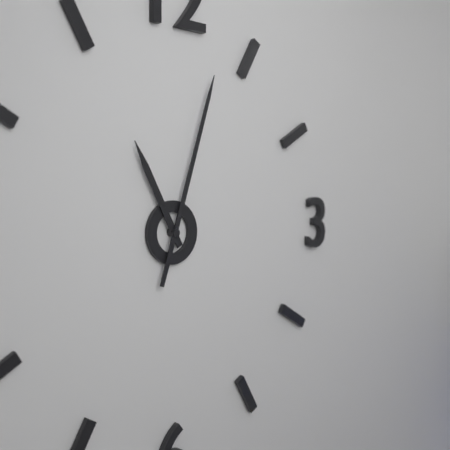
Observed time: 11:03
